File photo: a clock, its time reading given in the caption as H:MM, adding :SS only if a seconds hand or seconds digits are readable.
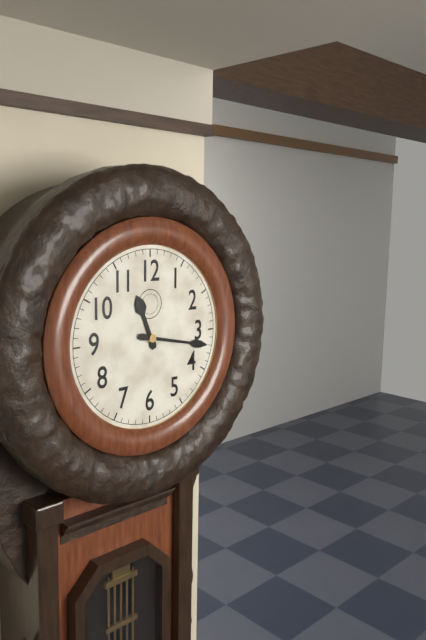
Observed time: 11:17
